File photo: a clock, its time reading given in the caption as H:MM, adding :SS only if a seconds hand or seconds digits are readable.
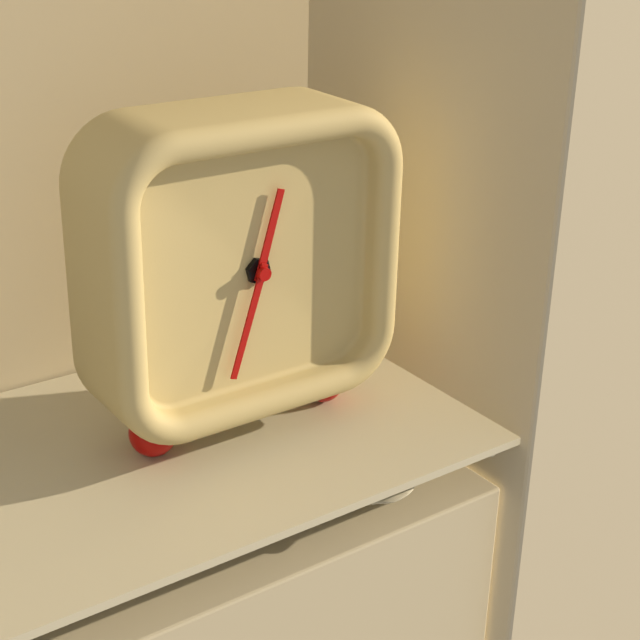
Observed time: 12:33
